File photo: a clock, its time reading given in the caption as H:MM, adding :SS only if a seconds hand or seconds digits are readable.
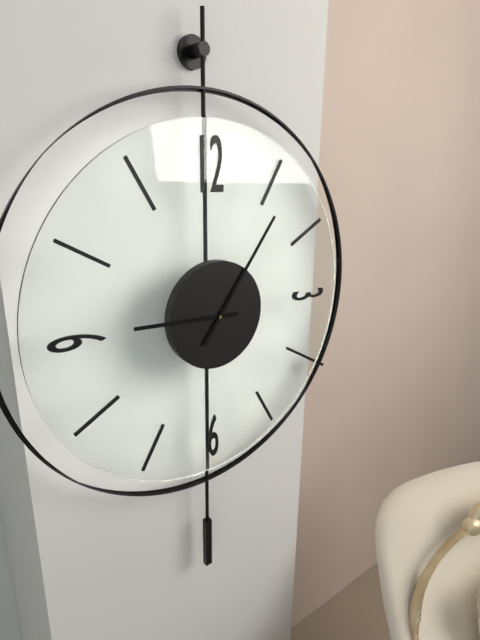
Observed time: 9:06
